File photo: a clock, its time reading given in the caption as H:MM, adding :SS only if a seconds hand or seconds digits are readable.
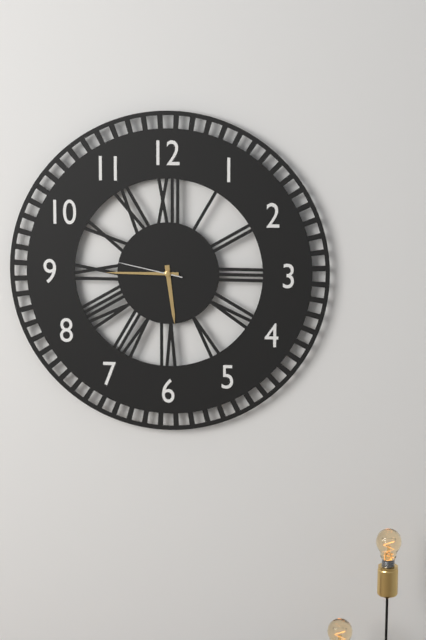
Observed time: 5:45:47
